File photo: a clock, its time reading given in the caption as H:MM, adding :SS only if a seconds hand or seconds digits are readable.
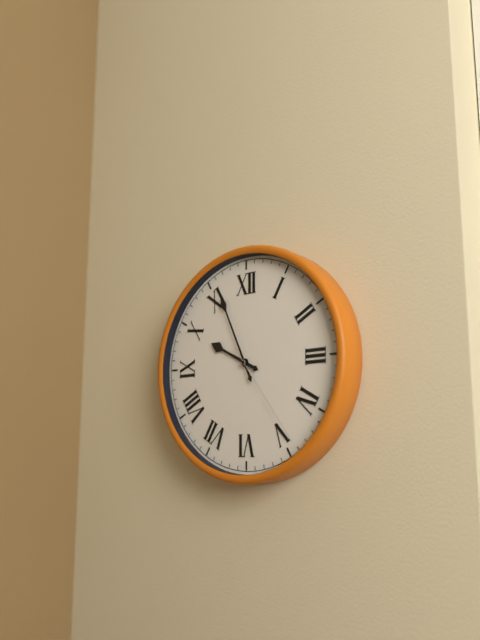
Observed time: 9:56:24
